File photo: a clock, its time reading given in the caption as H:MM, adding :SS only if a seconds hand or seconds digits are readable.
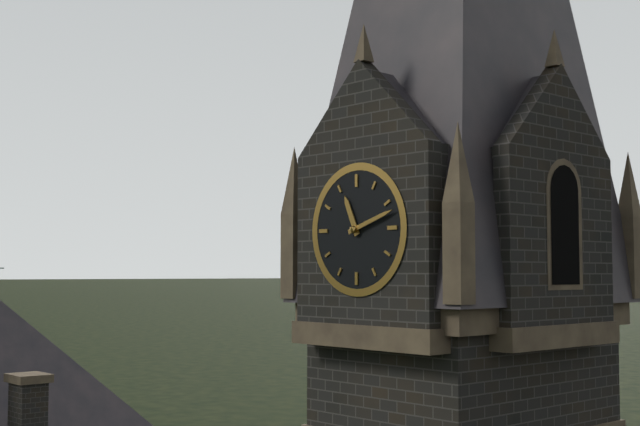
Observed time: 11:12
